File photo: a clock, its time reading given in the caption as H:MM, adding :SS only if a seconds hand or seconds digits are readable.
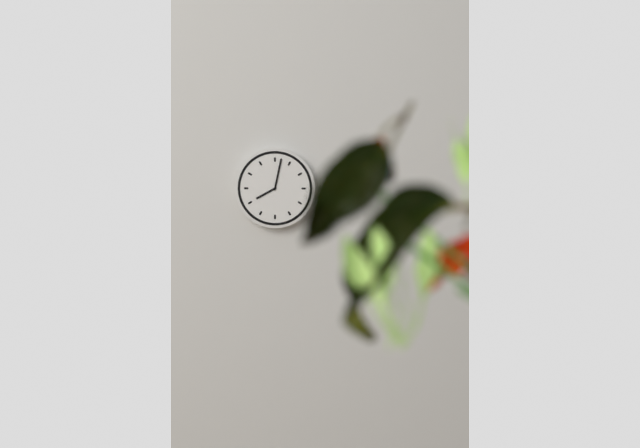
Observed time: 8:02
